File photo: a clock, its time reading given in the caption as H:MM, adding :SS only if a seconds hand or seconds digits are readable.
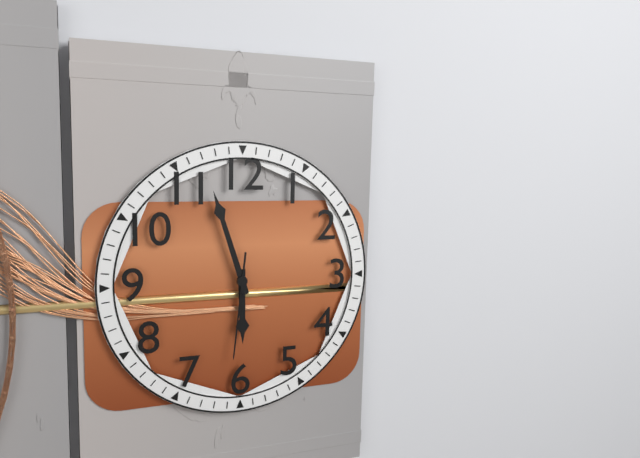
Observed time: 5:57:31
